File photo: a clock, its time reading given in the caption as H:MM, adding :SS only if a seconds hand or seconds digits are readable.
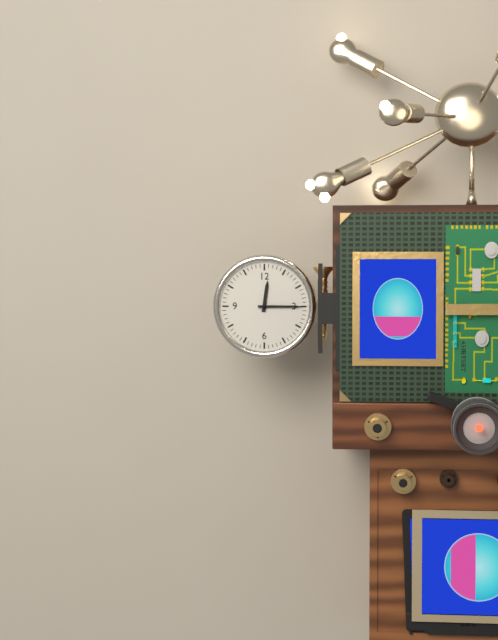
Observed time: 12:15
